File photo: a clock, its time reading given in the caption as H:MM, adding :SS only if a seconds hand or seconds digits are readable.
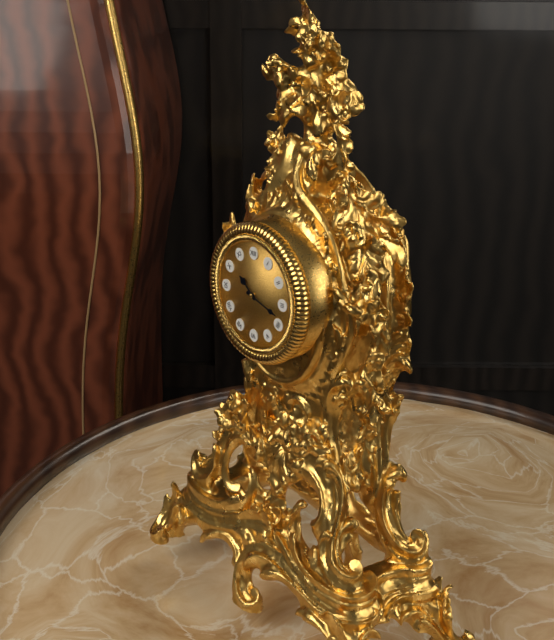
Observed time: 10:18
